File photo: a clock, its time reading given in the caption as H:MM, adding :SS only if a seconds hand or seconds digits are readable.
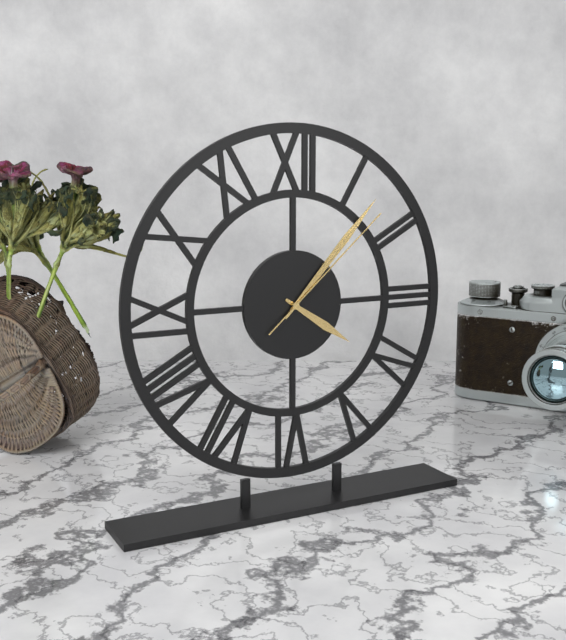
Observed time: 4:07:08
